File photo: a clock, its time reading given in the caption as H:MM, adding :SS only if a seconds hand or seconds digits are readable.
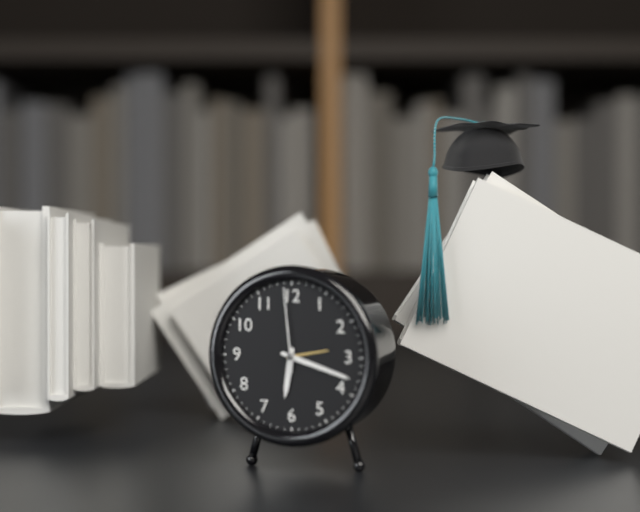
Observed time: 6:18:59
